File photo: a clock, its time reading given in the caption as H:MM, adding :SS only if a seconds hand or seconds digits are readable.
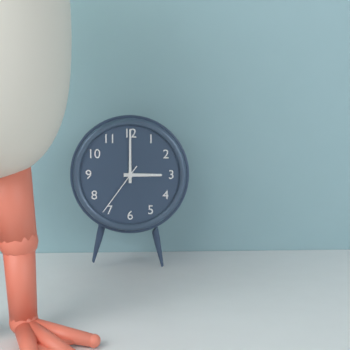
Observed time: 3:00:36
